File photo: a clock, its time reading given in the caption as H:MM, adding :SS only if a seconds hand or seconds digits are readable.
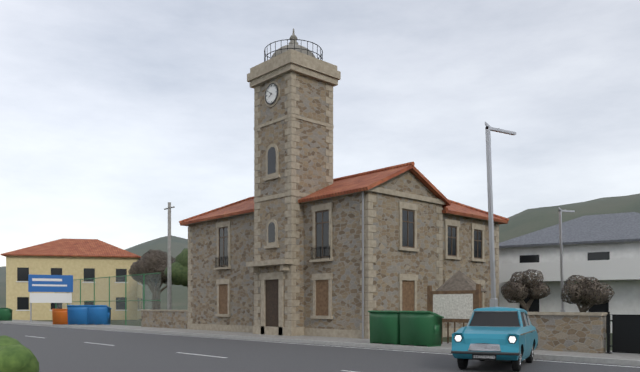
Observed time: 7:51
